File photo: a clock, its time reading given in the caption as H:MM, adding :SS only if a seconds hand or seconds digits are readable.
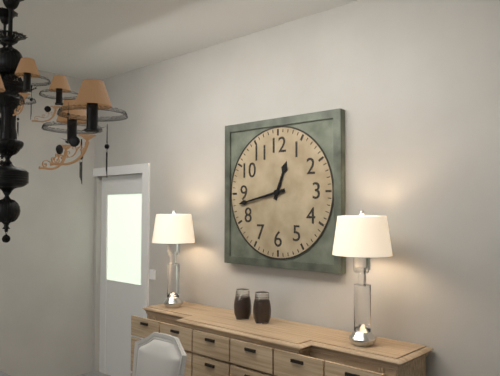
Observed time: 12:43
